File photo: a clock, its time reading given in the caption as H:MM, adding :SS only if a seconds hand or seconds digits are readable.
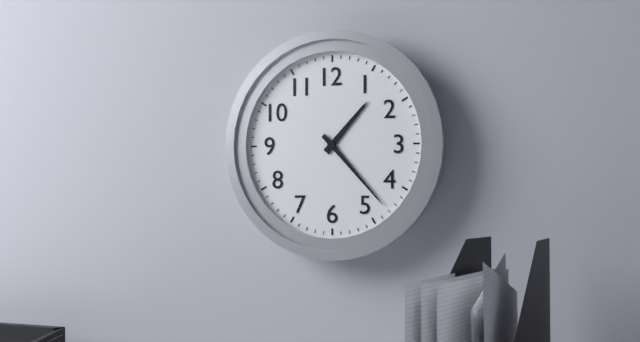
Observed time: 1:23
